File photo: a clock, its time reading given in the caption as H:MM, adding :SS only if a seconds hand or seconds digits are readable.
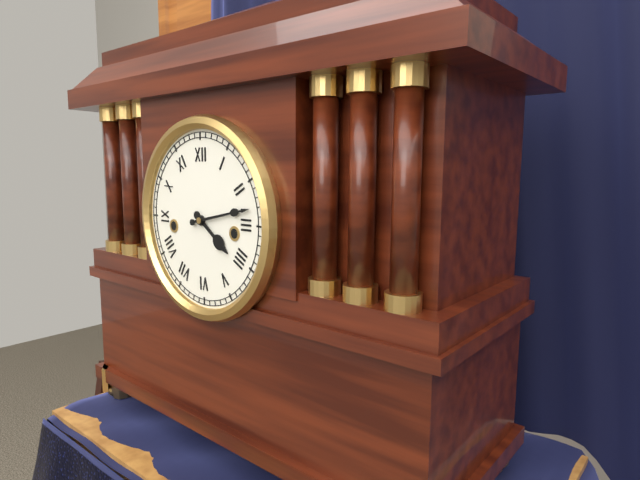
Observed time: 4:13
